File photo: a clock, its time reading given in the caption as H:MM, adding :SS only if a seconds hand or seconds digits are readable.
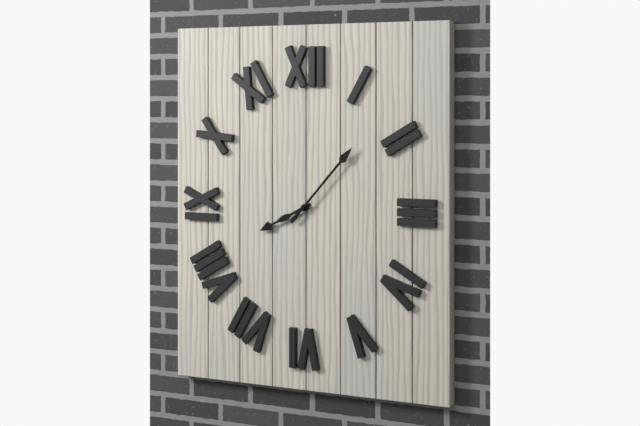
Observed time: 8:07
